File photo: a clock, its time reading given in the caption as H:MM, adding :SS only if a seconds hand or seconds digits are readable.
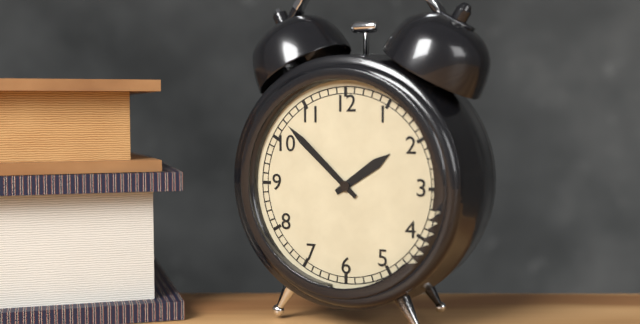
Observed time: 1:52
